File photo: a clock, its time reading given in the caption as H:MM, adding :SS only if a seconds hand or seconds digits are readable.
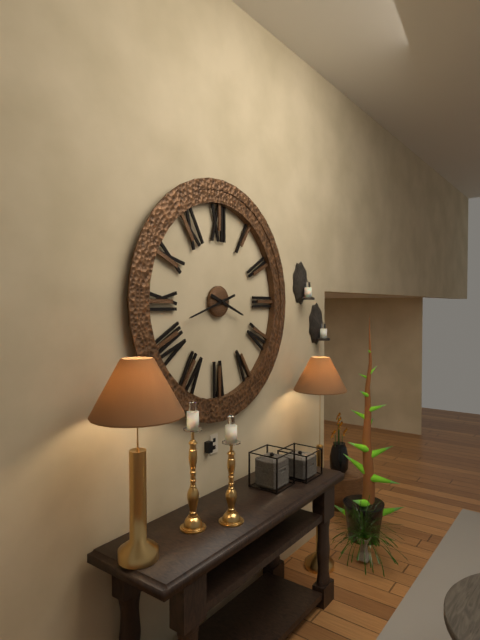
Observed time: 3:42
